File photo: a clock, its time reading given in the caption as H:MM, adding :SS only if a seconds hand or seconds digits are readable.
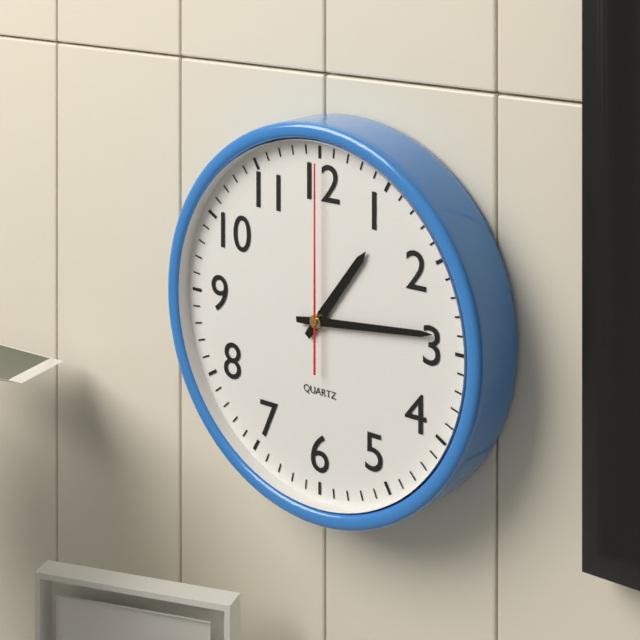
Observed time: 1:14:00
